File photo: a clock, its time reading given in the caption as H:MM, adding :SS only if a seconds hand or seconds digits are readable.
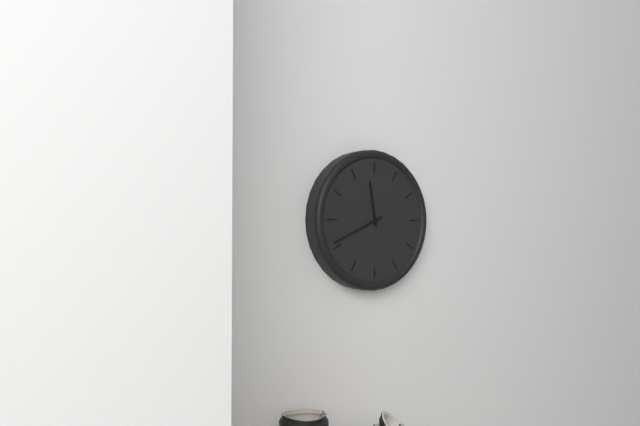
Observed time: 11:41
